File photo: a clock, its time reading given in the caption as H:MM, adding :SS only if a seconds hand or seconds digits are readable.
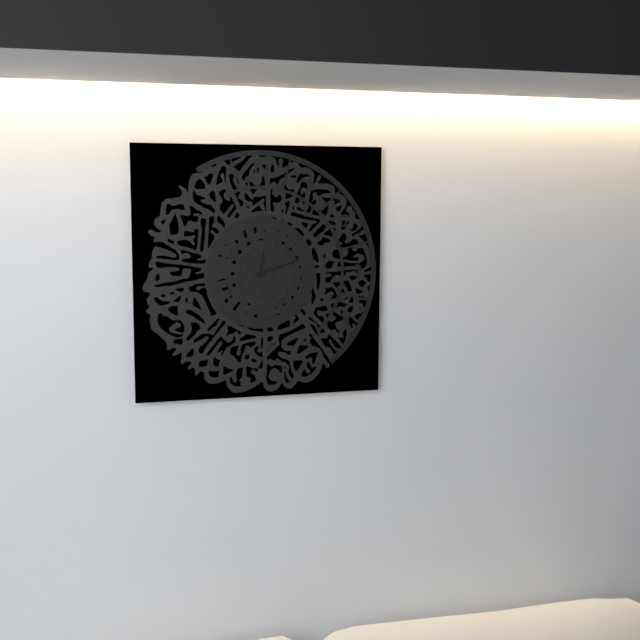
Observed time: 12:12
